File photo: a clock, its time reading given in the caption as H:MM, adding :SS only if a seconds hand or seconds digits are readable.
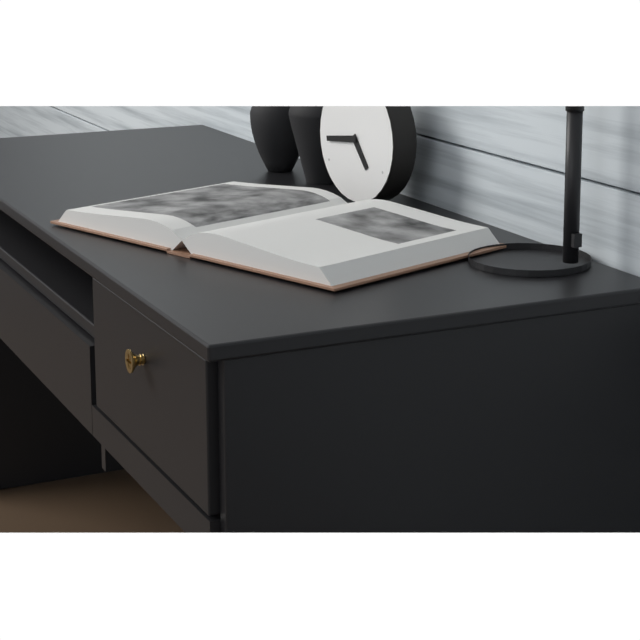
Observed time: 4:44
